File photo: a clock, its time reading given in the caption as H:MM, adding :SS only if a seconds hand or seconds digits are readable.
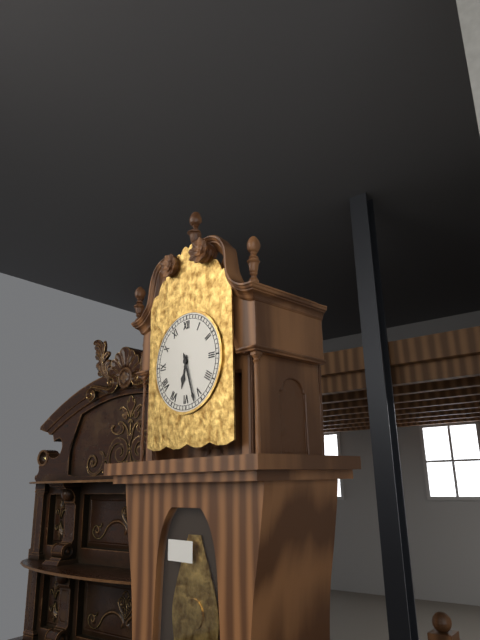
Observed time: 6:27
